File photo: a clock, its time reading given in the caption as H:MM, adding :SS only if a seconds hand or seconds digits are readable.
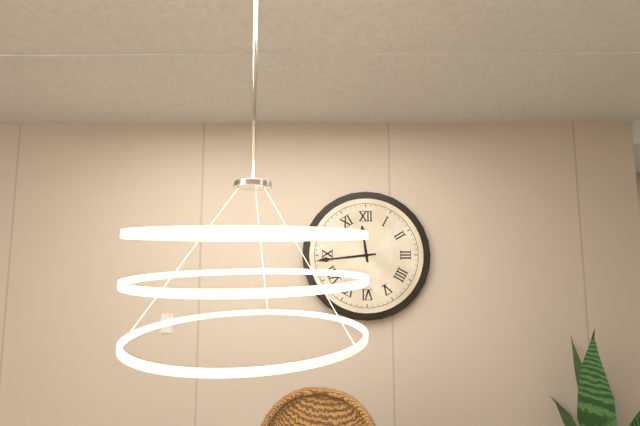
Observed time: 11:44
